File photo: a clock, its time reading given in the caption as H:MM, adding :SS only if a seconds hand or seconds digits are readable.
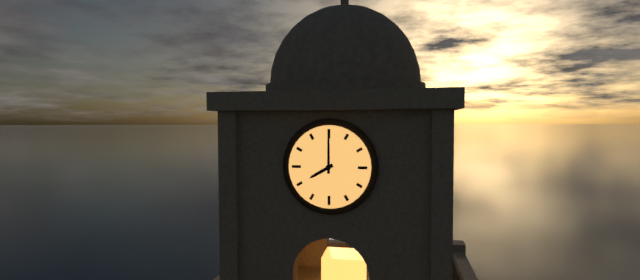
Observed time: 8:00
